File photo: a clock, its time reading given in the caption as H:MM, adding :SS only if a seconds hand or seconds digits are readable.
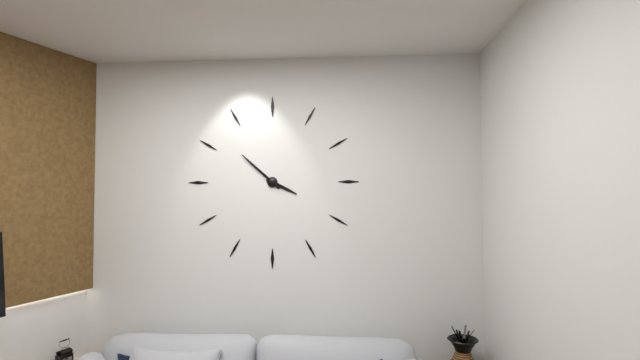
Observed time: 3:52
